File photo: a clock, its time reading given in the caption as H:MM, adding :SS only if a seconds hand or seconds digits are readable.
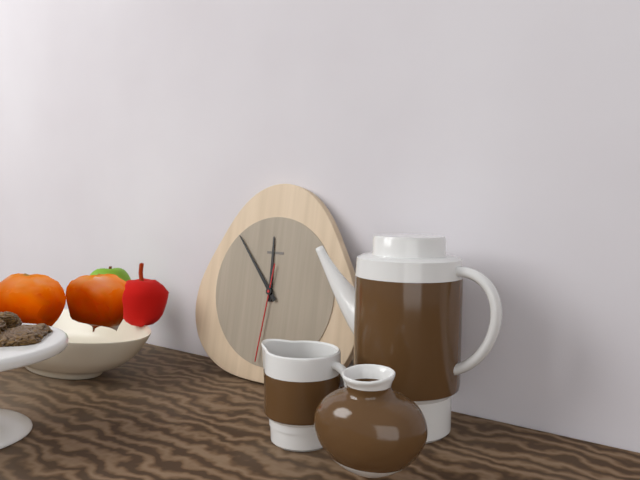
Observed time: 11:53:31
